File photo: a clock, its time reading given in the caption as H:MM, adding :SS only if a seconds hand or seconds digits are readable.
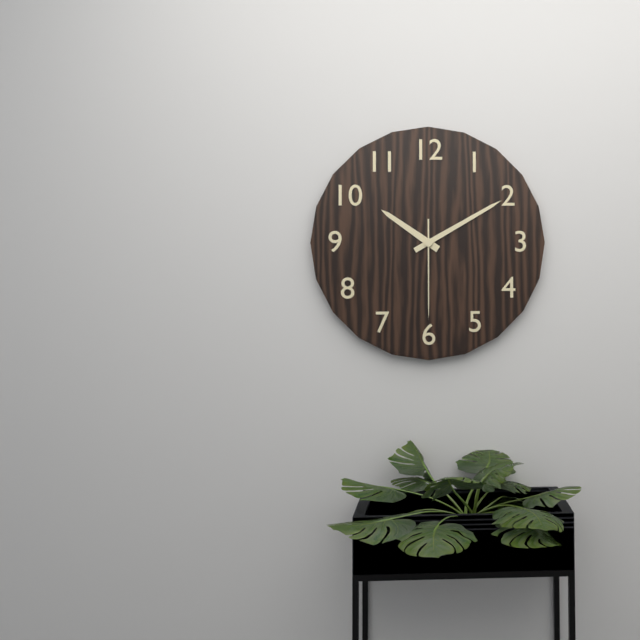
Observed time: 10:10:30
